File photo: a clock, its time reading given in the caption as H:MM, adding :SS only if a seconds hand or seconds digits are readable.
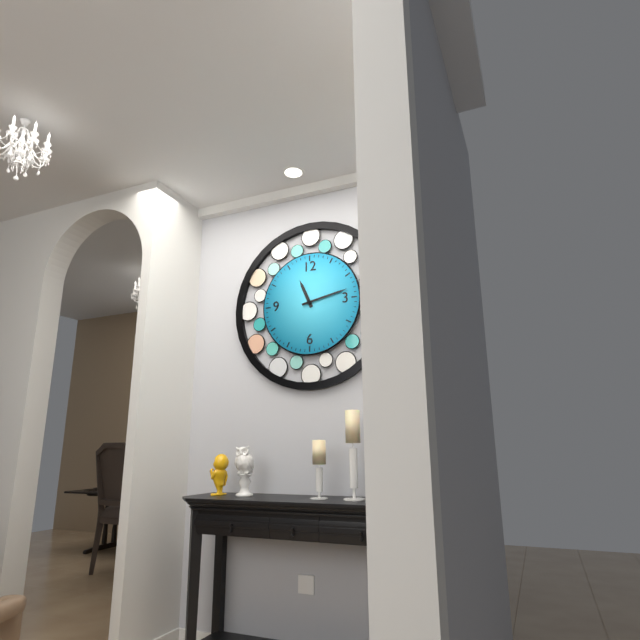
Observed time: 11:13
